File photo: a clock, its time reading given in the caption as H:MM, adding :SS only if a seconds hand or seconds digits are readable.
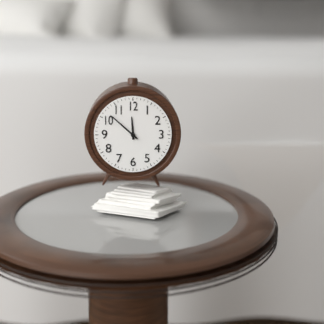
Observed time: 11:52
